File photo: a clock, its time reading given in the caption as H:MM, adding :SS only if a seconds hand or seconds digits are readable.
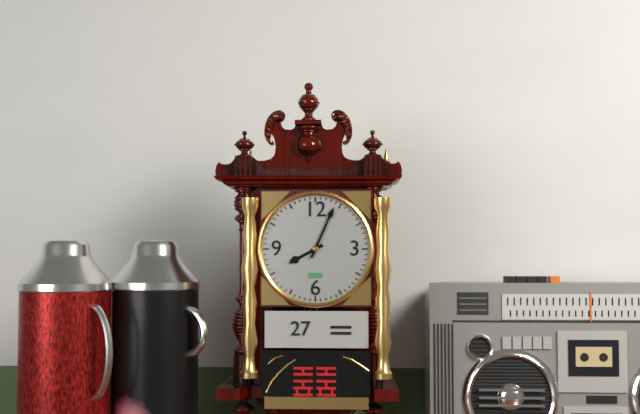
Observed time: 8:04
